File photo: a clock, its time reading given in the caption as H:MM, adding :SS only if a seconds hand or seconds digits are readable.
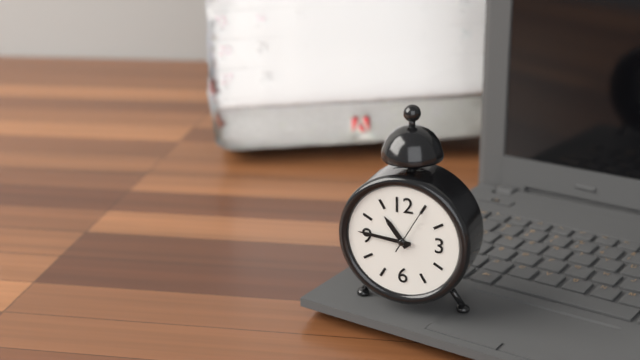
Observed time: 10:46
